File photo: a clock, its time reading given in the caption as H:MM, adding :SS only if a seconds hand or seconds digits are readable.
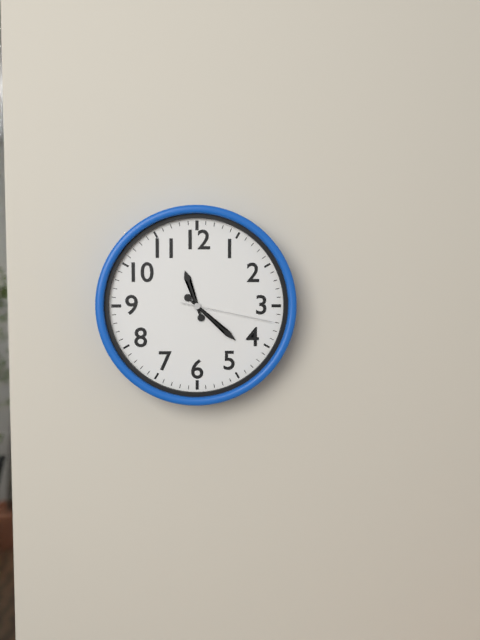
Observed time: 11:22:17
